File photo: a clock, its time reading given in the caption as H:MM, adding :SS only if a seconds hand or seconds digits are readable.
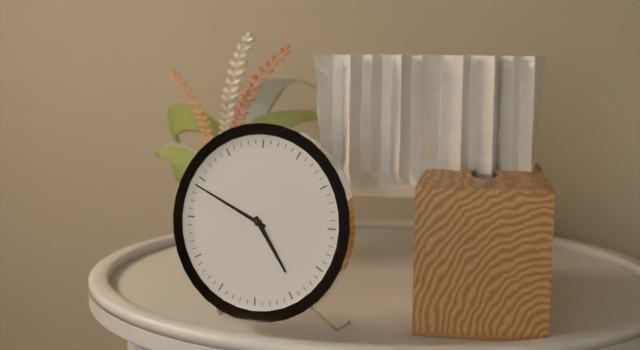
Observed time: 4:49
